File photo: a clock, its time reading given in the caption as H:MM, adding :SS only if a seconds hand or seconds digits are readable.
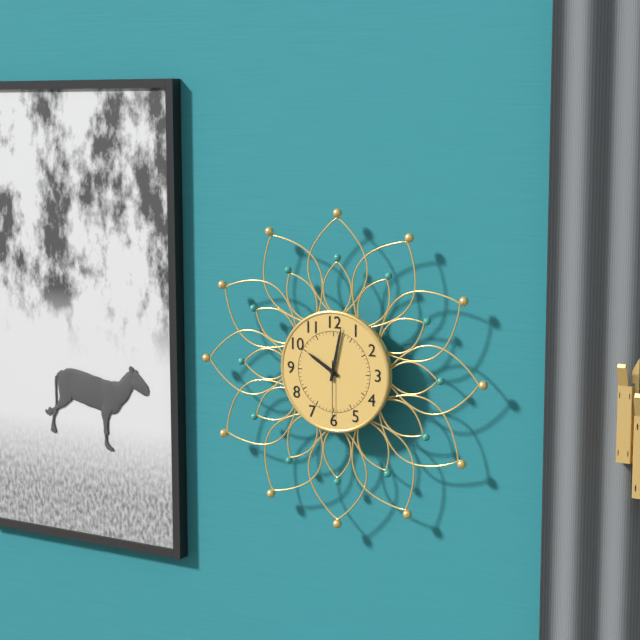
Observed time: 10:02:30
